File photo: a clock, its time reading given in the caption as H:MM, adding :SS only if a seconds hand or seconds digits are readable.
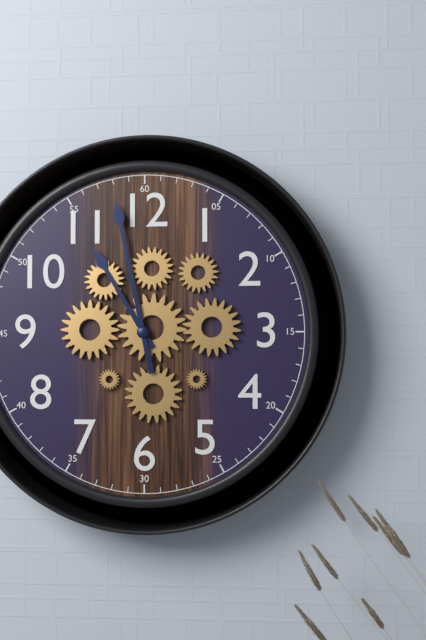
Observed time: 10:58
